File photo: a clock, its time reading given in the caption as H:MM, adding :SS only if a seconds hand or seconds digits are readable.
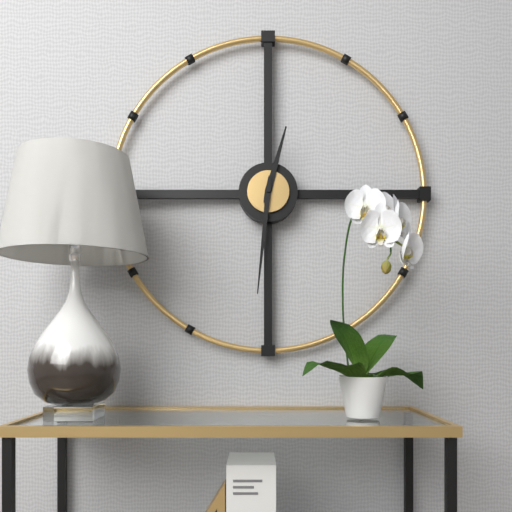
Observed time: 12:31
